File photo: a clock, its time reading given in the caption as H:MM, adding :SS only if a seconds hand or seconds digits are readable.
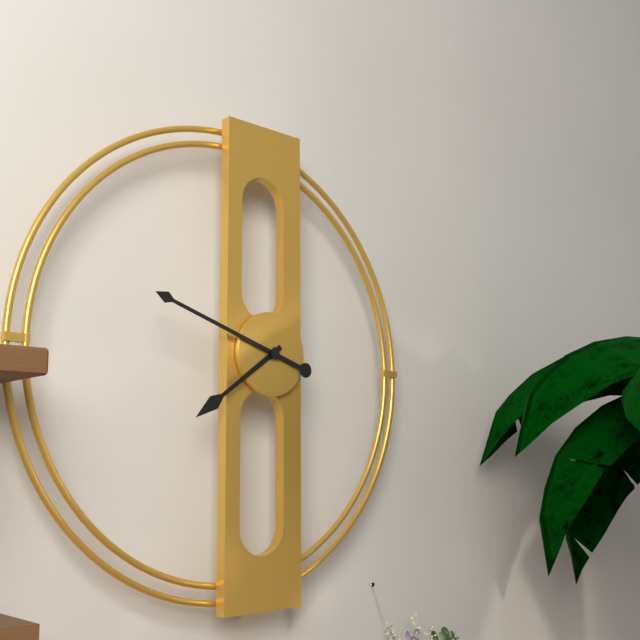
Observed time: 7:48
